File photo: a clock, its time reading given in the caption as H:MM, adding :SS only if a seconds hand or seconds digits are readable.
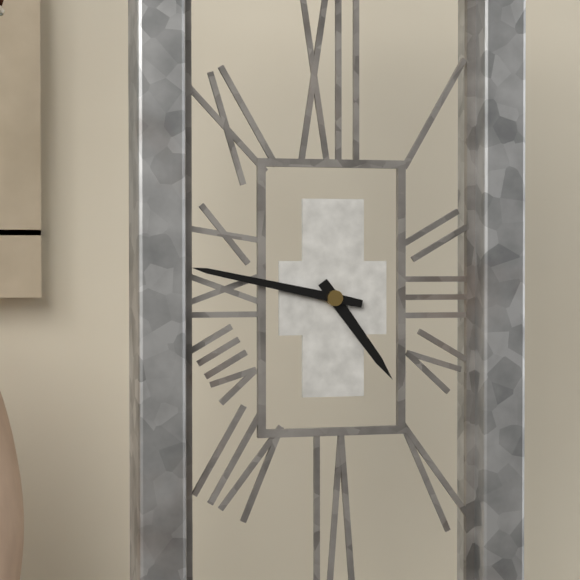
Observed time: 4:47
